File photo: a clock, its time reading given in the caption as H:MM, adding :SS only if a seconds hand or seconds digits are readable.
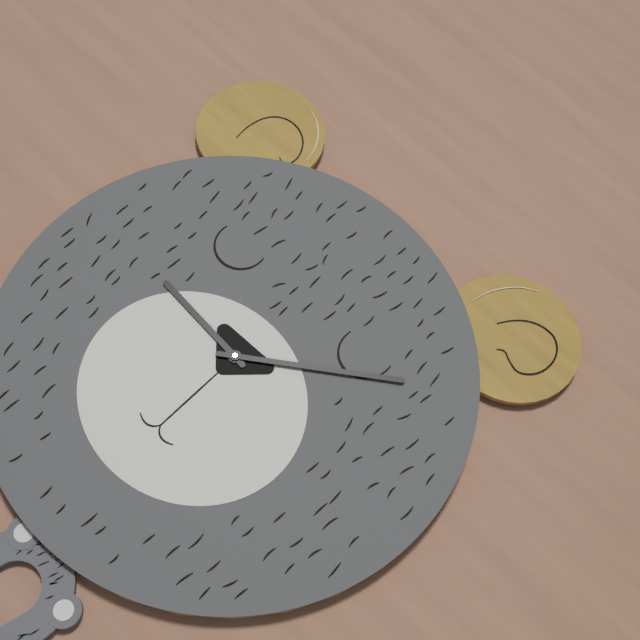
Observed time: 9:09
